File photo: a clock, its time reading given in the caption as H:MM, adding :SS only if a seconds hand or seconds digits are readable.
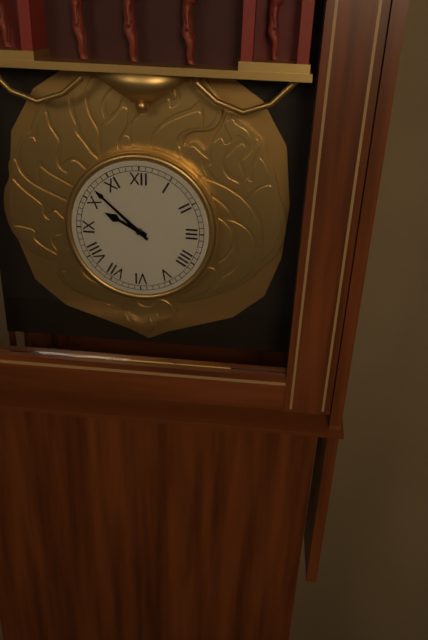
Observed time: 9:52
